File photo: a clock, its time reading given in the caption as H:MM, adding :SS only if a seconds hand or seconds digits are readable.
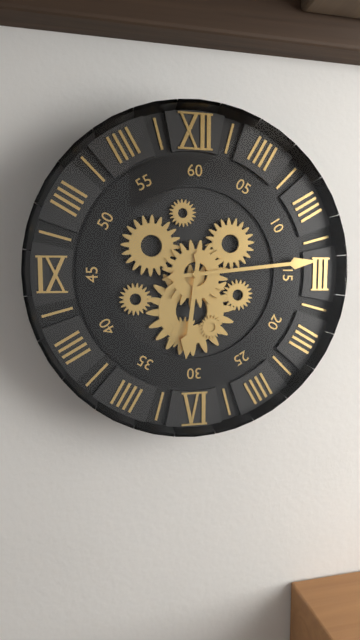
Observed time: 6:14
